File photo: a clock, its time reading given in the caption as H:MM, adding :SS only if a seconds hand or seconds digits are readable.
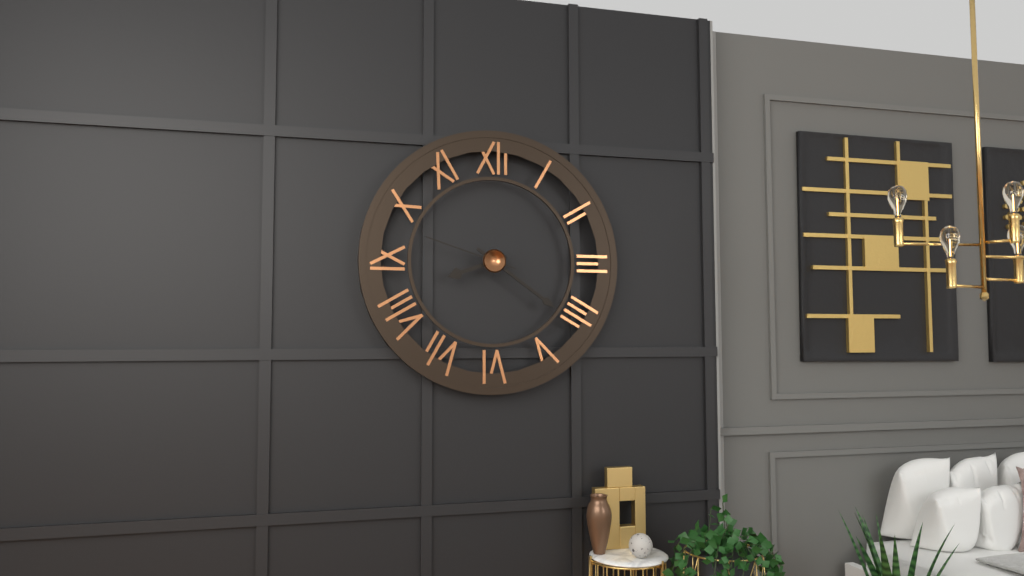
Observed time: 8:21:48
